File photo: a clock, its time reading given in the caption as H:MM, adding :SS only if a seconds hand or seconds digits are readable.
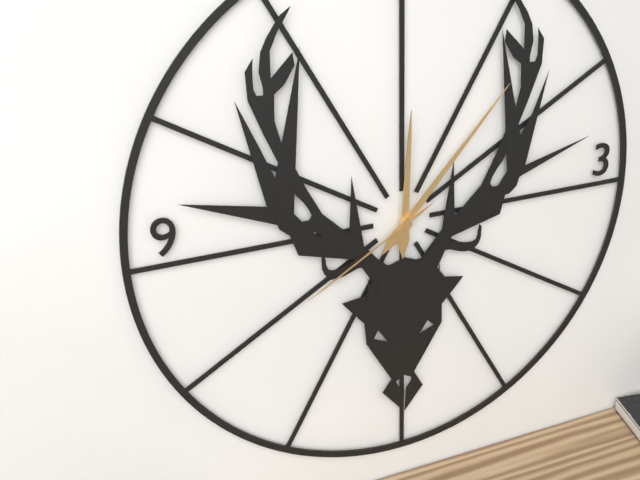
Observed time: 12:07:40
